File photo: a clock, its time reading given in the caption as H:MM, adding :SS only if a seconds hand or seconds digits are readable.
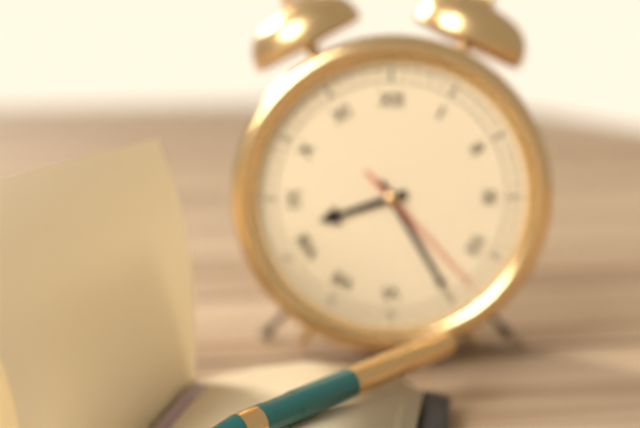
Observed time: 8:25:23
